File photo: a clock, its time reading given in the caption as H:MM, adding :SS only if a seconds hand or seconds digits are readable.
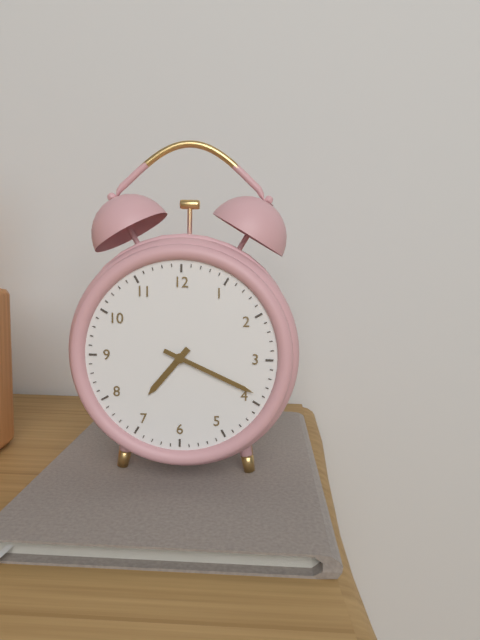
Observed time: 7:19
